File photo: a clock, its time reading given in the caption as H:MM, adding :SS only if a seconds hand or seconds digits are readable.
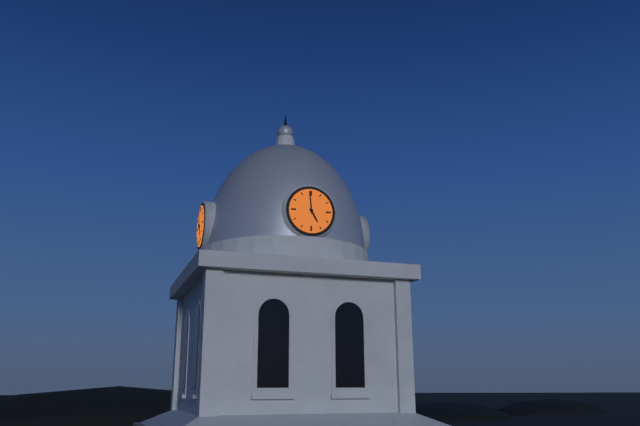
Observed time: 4:59
